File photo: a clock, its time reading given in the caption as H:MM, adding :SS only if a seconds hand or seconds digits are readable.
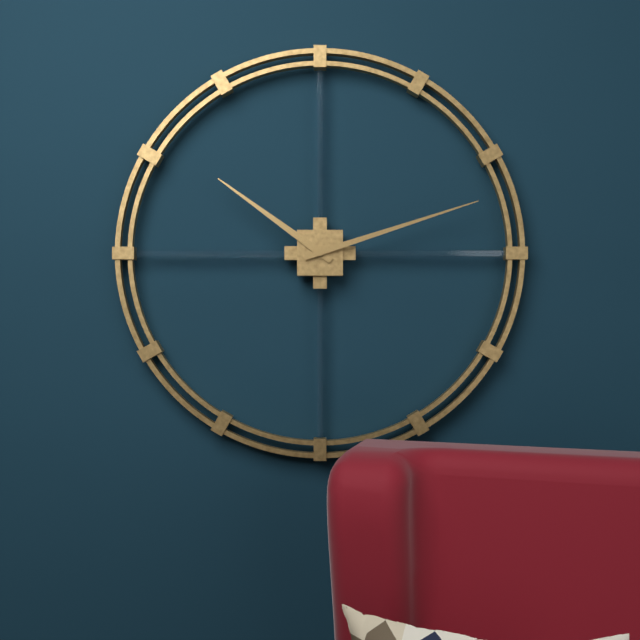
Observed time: 10:12
